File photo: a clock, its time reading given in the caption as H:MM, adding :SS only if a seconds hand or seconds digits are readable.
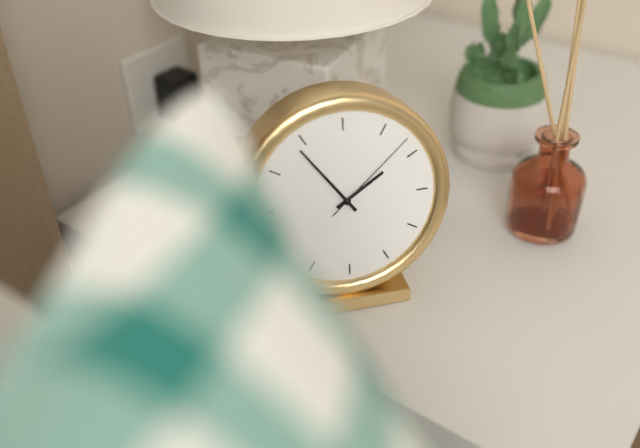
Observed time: 1:54:08
